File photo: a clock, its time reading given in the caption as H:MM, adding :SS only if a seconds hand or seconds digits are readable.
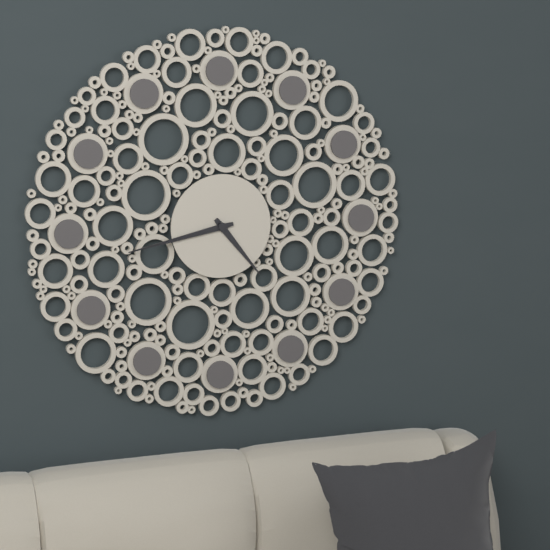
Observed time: 4:43
